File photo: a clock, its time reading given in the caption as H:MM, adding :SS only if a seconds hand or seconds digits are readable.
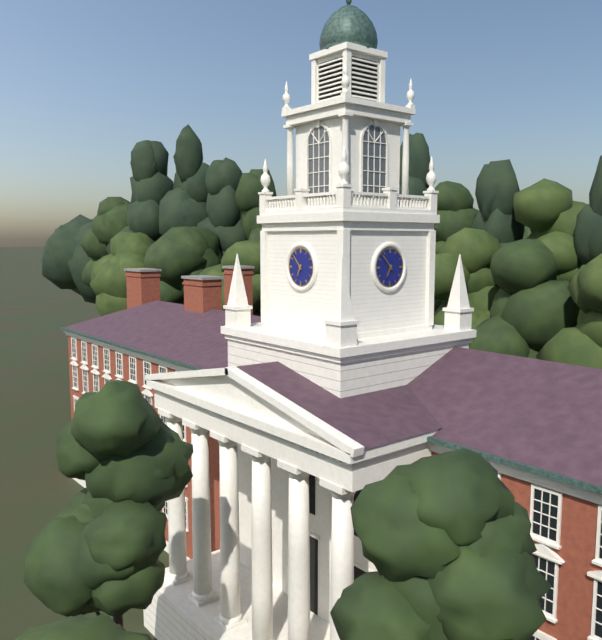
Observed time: 6:53
